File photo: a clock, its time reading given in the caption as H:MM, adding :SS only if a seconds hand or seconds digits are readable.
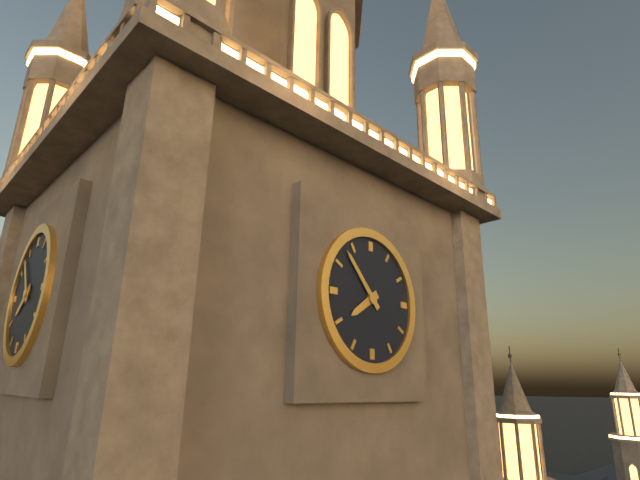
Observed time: 7:53
